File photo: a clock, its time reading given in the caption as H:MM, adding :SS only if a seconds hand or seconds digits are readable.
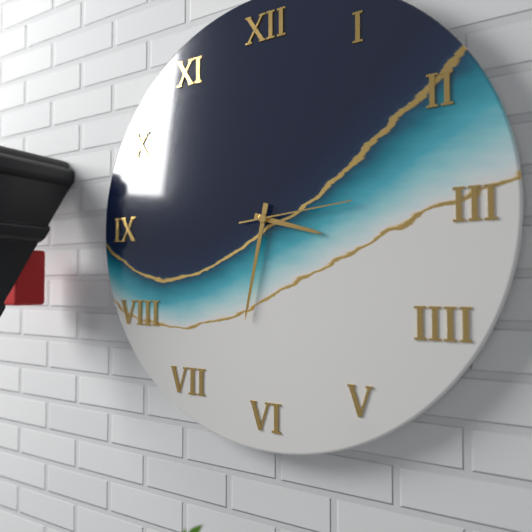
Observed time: 3:32:14
